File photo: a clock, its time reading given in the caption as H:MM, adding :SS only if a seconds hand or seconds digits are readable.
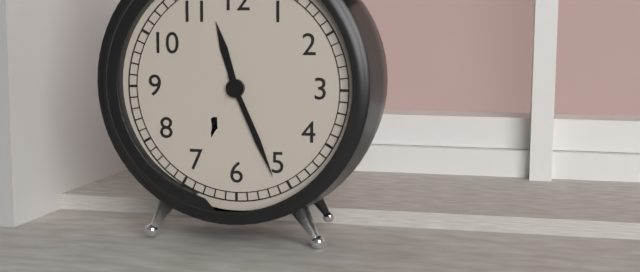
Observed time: 11:26
